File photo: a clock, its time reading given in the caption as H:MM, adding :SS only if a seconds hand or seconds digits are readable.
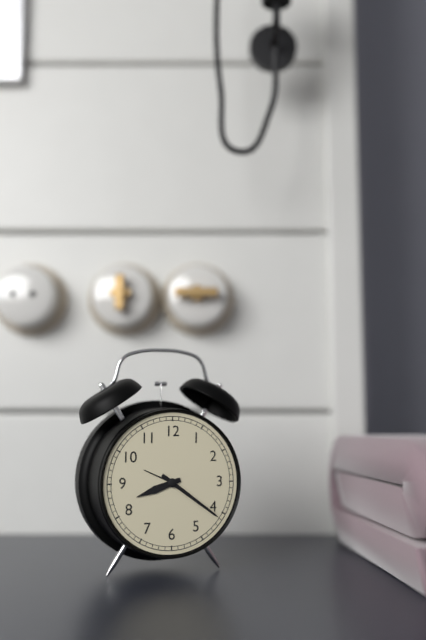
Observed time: 8:21
